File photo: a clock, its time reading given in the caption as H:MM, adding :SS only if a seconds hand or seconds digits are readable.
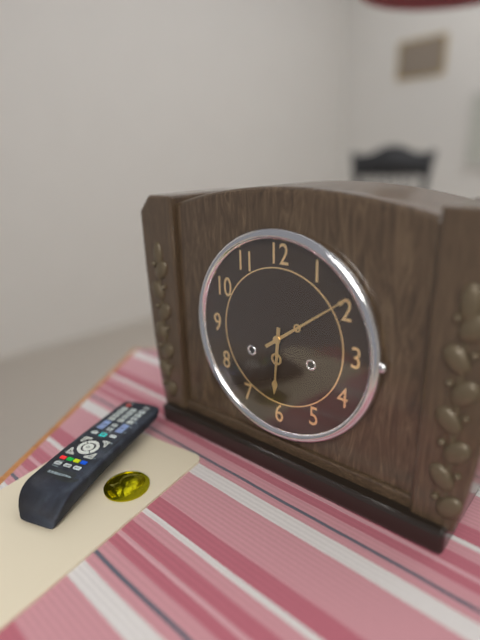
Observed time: 6:09
